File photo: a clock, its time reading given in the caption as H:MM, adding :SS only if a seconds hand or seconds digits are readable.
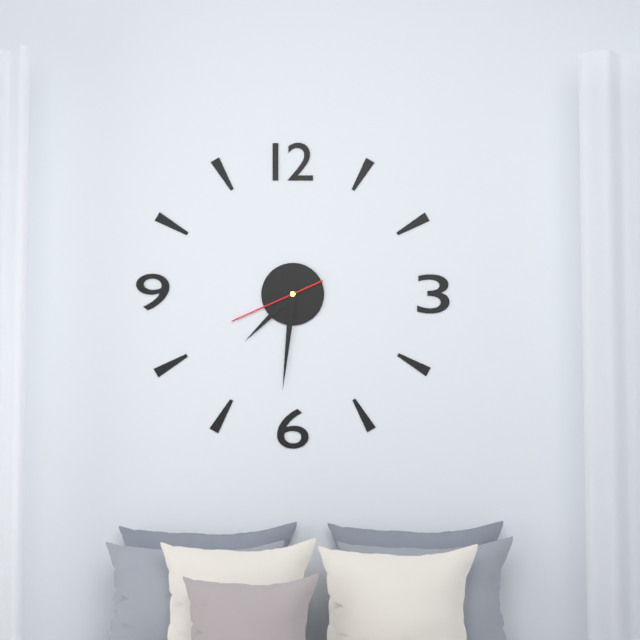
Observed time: 7:31:41
